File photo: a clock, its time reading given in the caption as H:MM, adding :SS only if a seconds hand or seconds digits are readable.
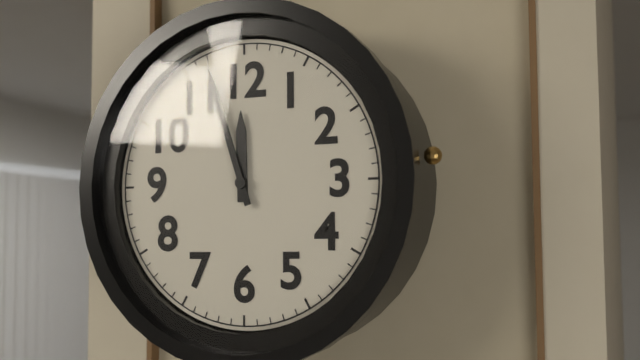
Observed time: 11:57
